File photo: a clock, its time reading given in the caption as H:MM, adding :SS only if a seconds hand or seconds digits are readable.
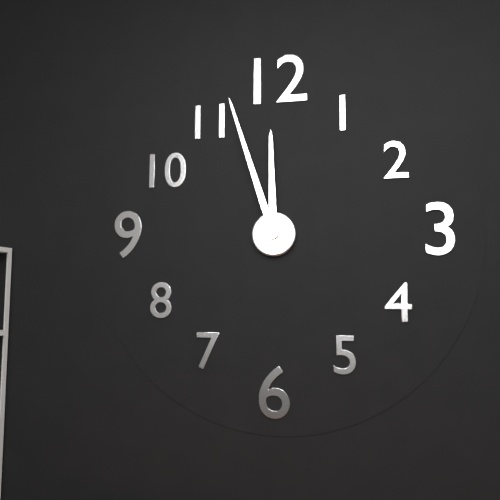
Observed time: 11:57
